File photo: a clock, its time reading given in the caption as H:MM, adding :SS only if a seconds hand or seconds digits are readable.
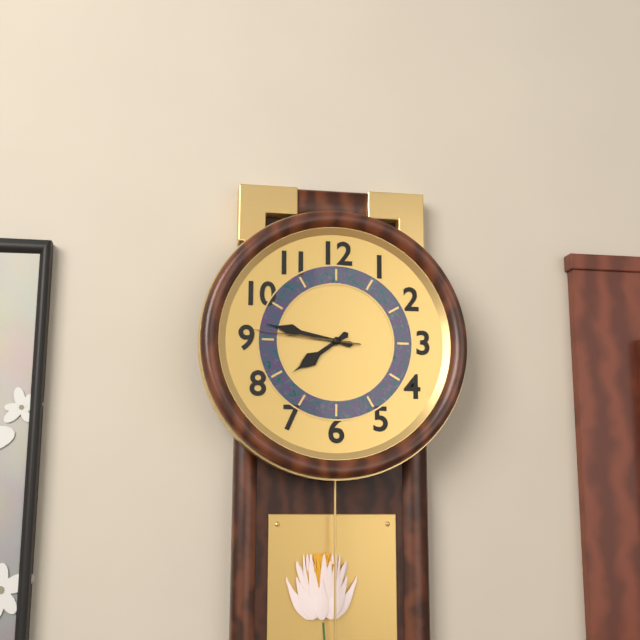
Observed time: 7:47:46
